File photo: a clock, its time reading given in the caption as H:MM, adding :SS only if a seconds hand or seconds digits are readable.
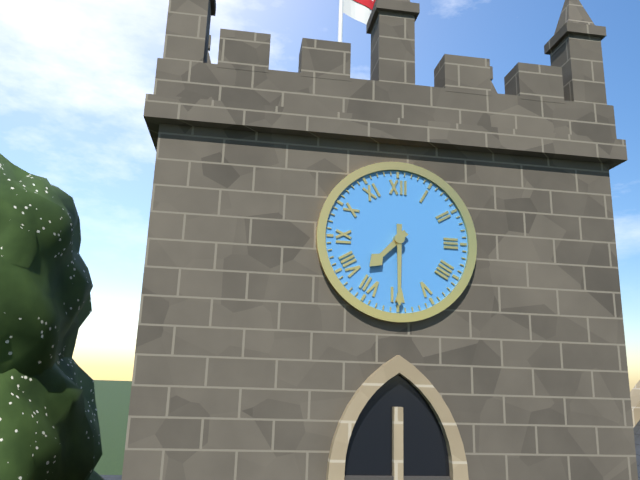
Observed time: 7:30
